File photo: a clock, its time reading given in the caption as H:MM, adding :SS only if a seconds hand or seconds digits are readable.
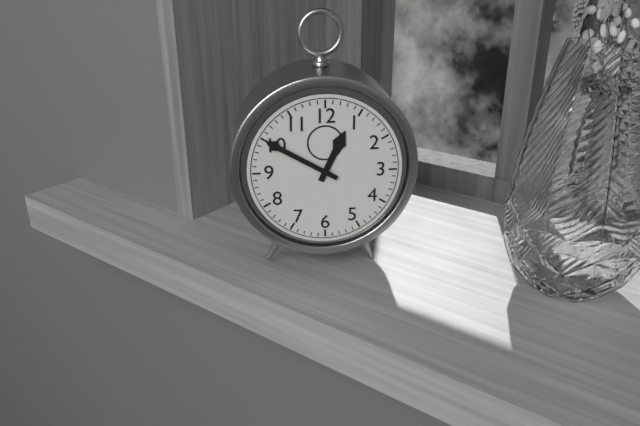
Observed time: 12:50
